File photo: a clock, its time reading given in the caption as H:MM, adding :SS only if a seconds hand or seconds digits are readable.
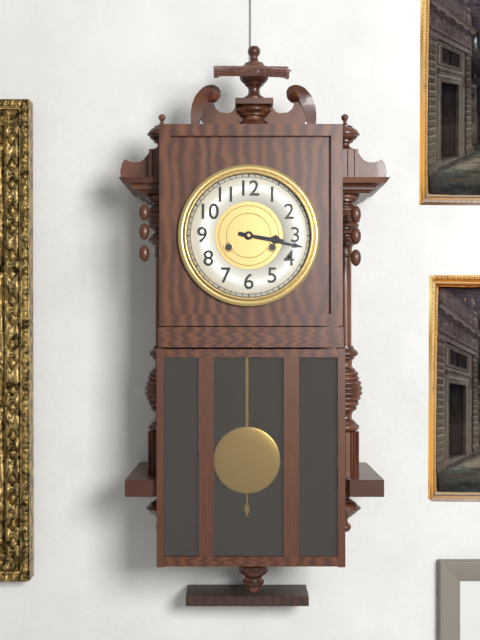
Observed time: 3:17
